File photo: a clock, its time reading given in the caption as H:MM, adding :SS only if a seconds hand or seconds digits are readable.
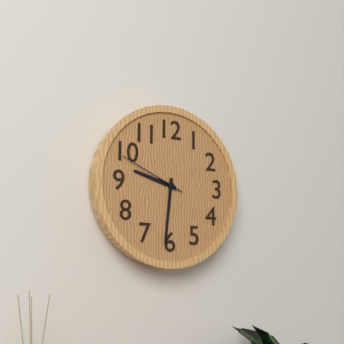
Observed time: 9:31:49
